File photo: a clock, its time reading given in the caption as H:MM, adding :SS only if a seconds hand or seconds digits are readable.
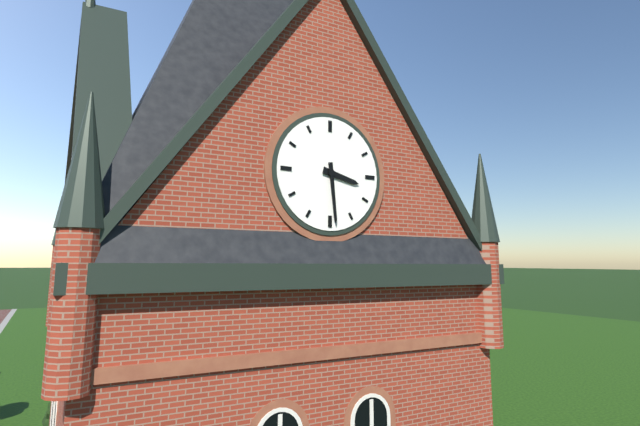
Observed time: 3:29
